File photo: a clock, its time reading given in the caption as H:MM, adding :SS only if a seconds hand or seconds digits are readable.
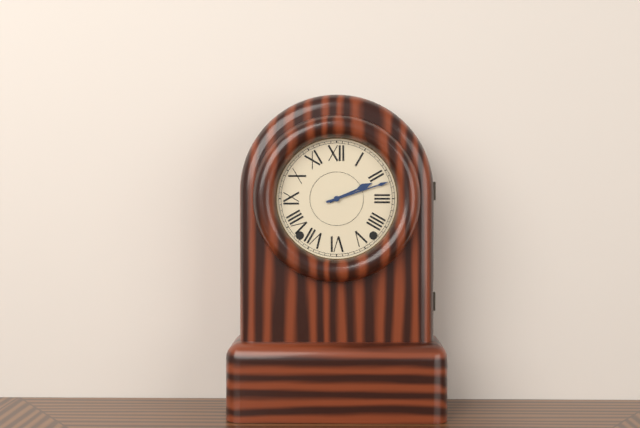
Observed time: 2:12
